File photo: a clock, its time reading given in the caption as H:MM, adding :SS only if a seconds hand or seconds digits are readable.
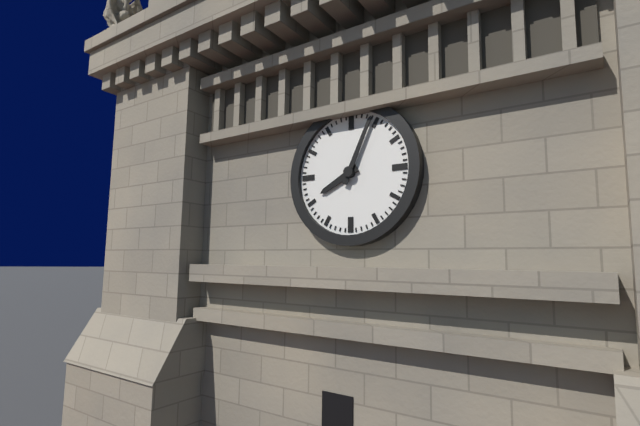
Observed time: 8:04
